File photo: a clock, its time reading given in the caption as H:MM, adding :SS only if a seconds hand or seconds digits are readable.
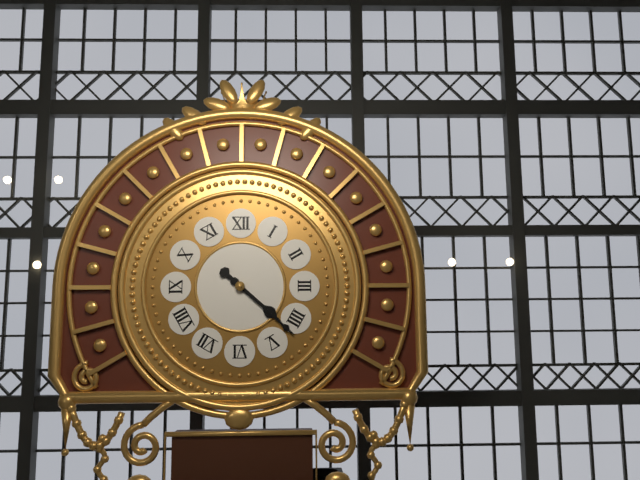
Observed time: 4:22
